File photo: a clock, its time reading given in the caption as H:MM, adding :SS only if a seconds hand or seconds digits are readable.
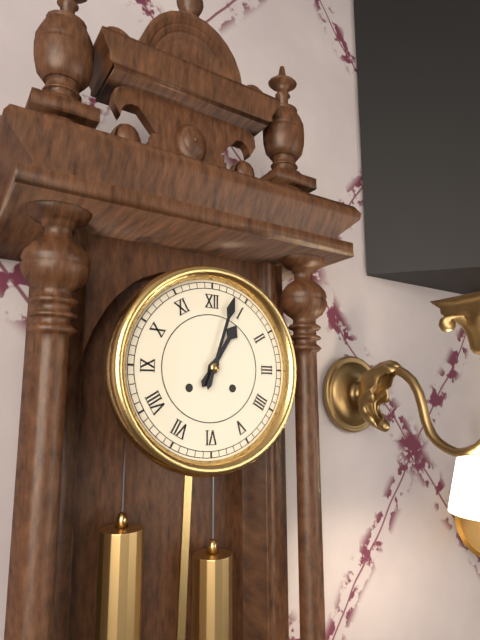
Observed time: 1:03
